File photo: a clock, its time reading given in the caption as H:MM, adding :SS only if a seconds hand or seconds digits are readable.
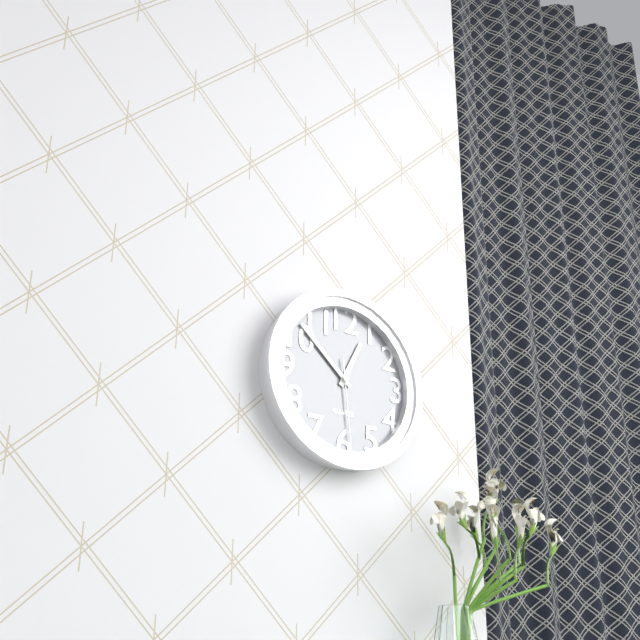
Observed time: 12:52:29
